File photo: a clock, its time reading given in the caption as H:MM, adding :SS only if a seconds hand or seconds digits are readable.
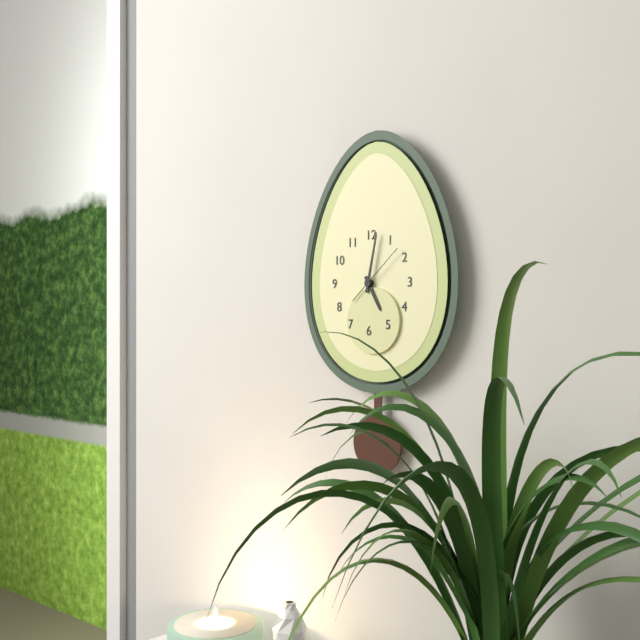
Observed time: 5:02
